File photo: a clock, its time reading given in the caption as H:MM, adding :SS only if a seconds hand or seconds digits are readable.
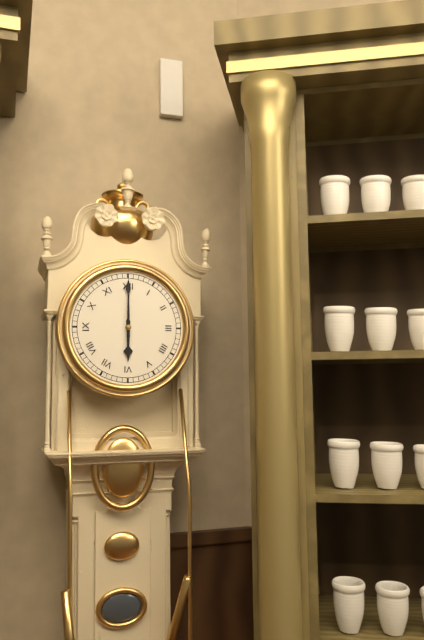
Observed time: 6:00
